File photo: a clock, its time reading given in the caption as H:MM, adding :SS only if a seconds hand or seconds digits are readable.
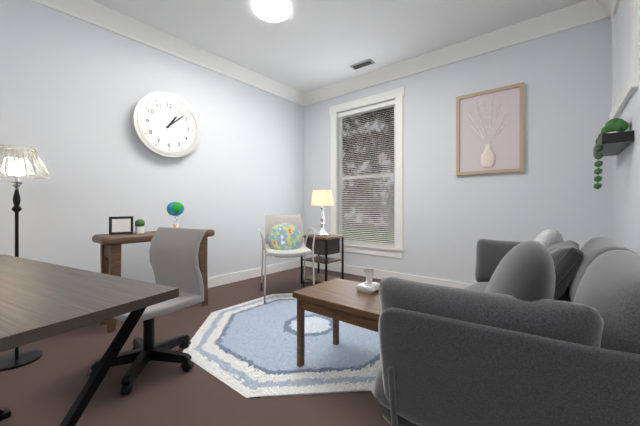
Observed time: 1:08
